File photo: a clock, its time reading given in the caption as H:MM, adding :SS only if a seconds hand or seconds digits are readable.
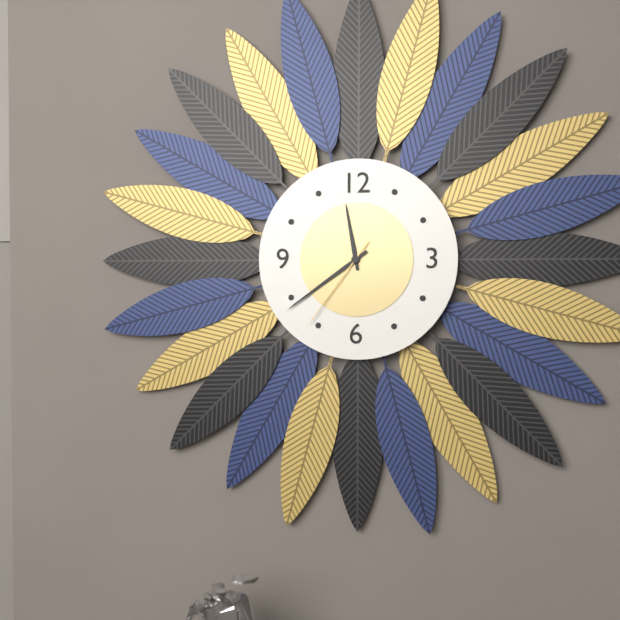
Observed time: 11:39:36
